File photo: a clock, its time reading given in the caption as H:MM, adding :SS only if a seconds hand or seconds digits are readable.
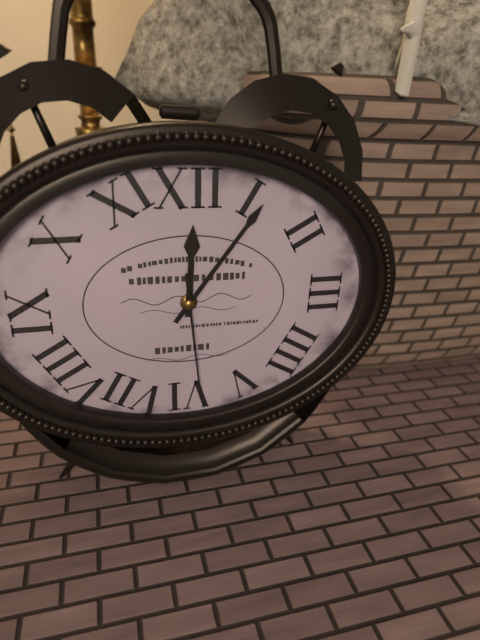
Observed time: 12:06:29
